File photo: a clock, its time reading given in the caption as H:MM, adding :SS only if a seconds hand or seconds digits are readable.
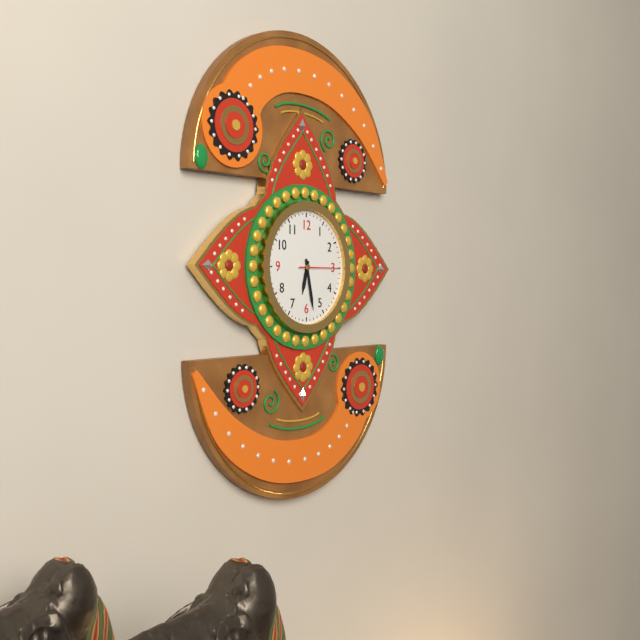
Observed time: 6:28:15
